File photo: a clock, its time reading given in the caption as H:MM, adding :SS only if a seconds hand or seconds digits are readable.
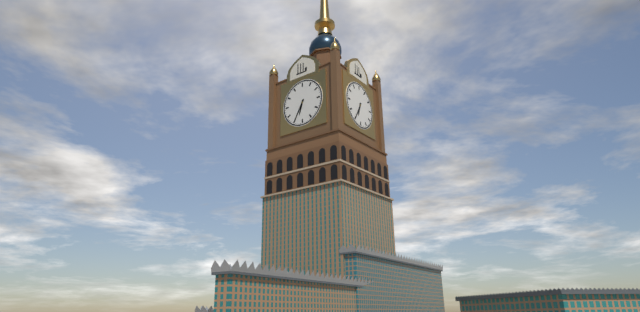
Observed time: 6:35
